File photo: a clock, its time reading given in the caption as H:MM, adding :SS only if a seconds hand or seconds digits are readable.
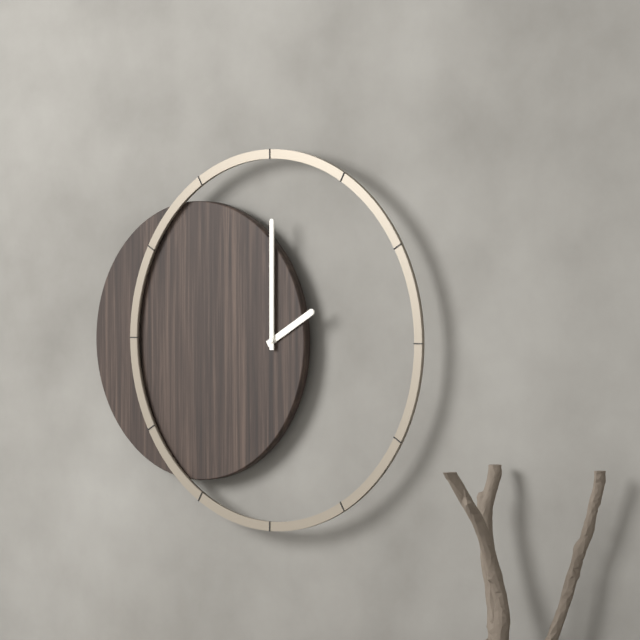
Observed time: 2:00
